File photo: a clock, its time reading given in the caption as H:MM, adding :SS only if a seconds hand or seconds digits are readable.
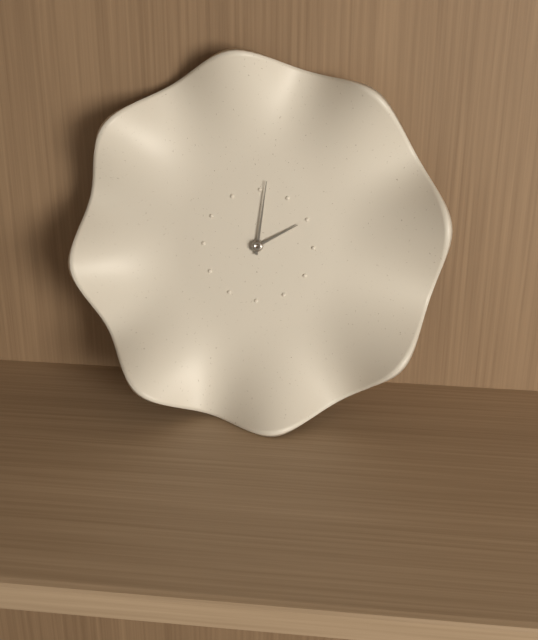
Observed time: 2:01
